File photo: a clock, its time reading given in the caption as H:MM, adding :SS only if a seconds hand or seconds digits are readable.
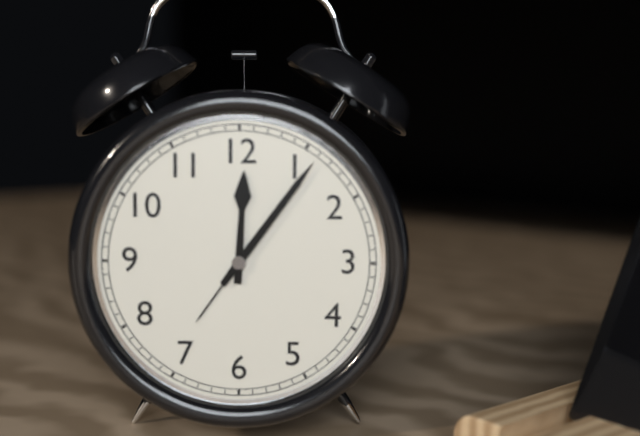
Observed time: 12:06
